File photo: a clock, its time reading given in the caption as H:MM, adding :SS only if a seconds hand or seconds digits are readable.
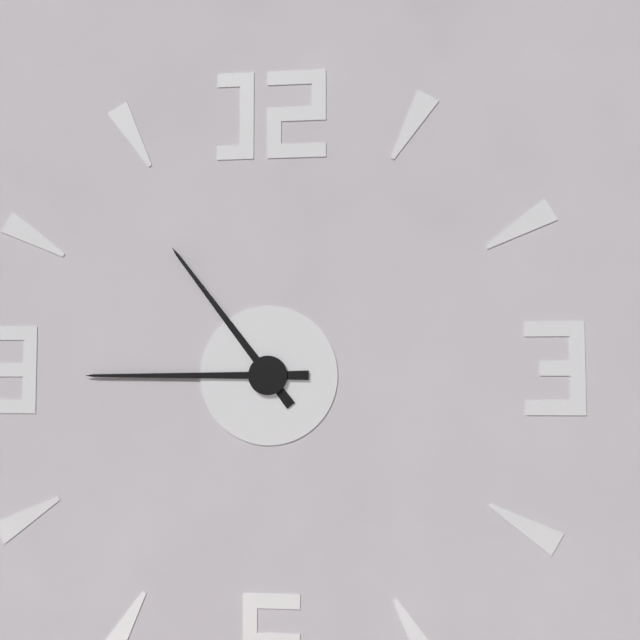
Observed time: 10:45
